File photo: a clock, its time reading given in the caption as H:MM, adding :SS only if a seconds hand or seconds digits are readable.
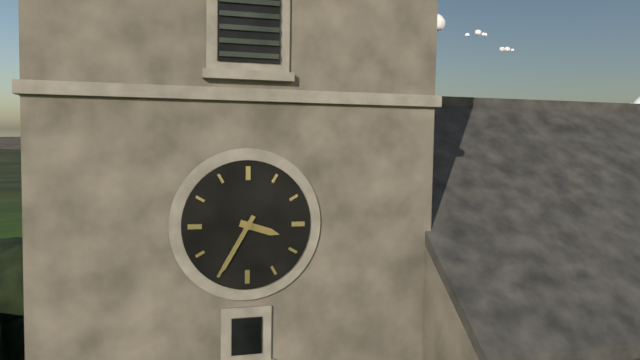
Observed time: 3:35
